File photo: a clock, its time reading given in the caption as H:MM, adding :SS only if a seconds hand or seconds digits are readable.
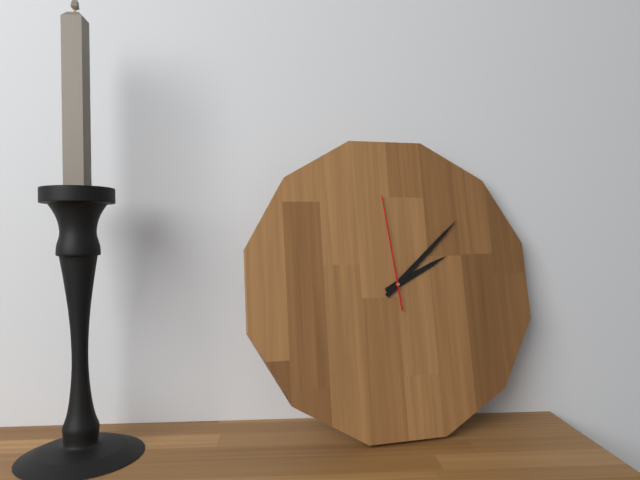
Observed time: 2:08:59
